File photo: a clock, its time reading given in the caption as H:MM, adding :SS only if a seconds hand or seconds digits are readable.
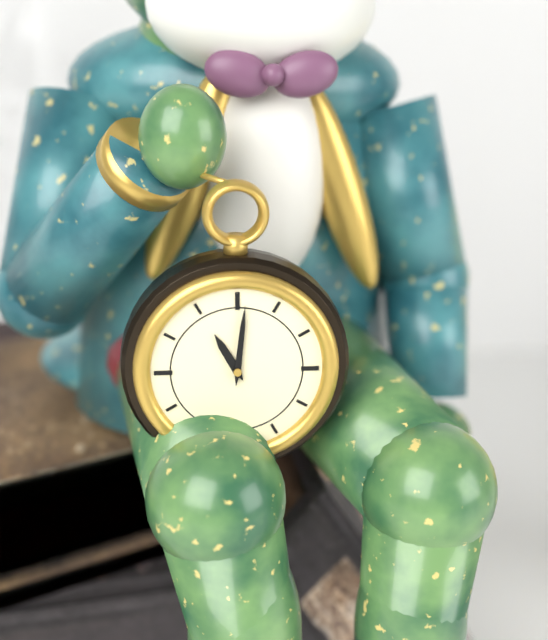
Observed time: 11:01
